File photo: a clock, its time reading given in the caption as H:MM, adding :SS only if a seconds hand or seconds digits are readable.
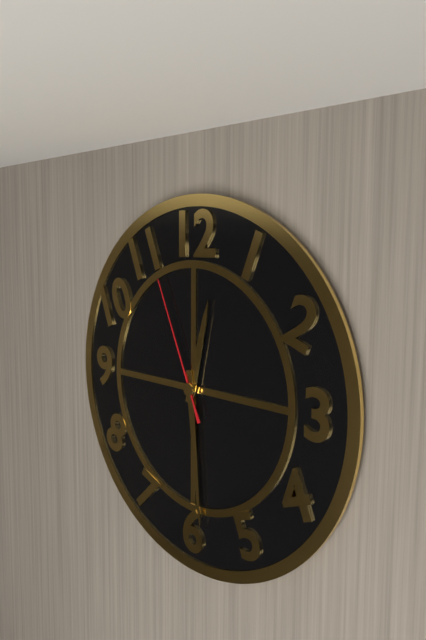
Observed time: 12:29:56
